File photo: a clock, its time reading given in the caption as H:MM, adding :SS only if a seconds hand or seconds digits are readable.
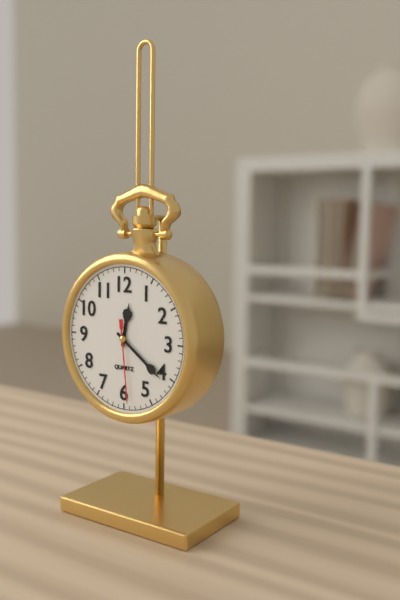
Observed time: 12:21:29
